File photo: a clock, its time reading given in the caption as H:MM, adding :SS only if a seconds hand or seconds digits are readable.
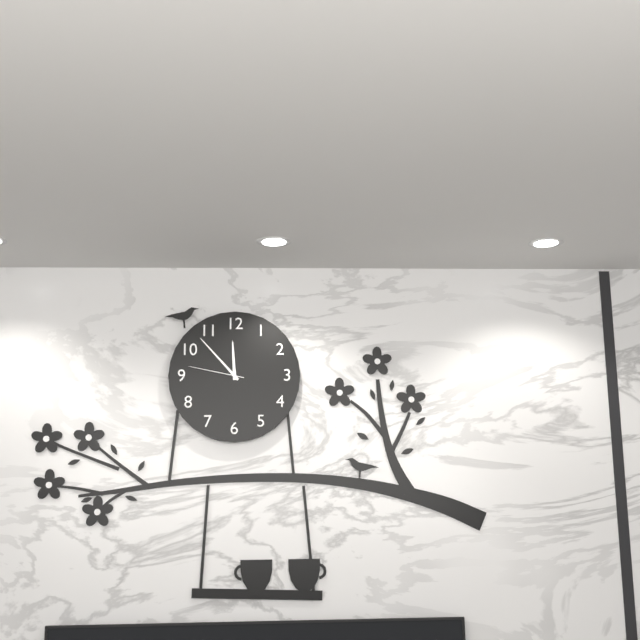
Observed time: 11:53:47
